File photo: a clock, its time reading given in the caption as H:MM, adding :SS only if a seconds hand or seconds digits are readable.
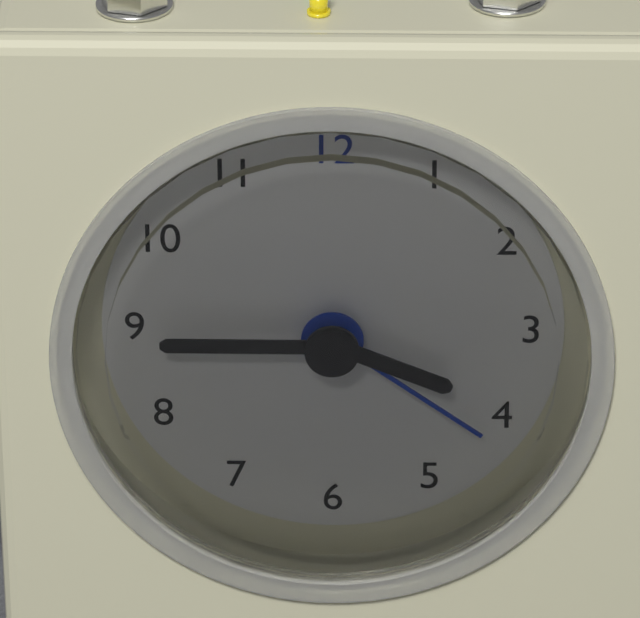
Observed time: 3:45:21
